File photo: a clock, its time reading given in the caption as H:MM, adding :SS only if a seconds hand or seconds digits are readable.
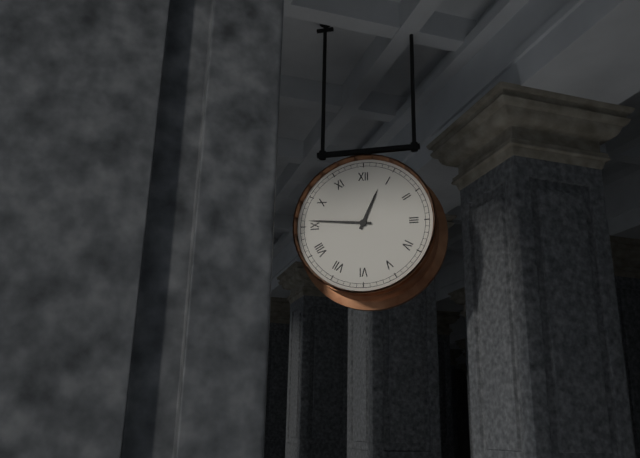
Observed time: 12:46
